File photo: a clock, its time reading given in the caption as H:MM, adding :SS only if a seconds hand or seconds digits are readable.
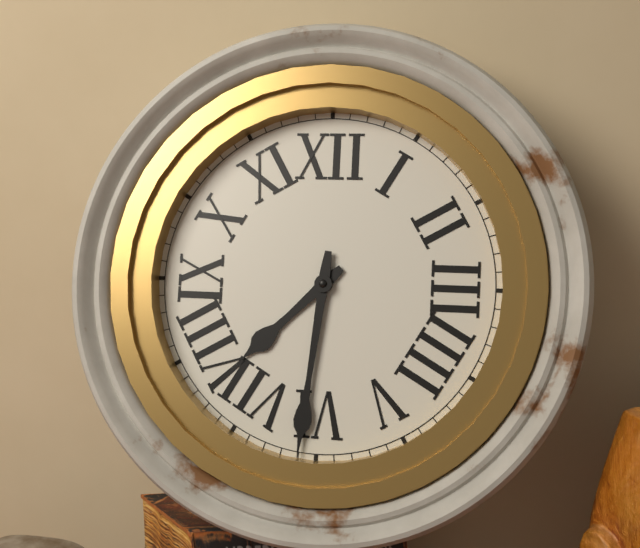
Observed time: 7:31
